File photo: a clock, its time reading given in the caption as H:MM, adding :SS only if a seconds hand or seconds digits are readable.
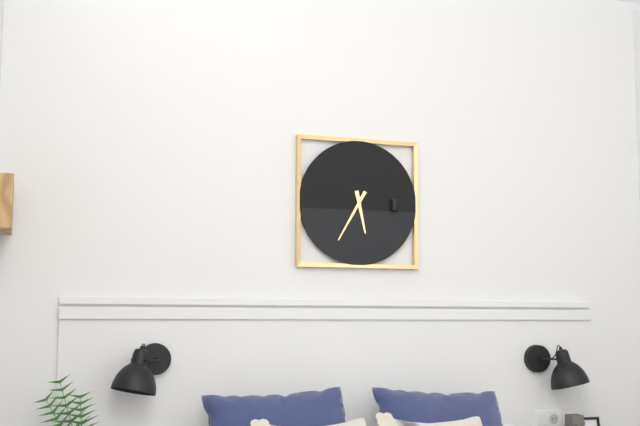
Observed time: 5:35
